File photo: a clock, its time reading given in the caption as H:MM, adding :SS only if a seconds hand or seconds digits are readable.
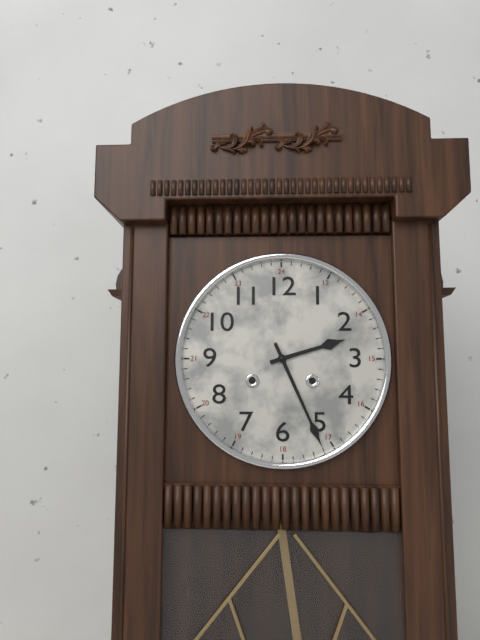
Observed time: 2:26
